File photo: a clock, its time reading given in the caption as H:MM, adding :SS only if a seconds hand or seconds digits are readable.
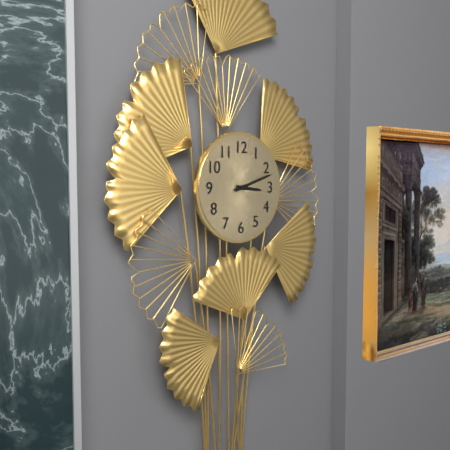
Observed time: 3:12
